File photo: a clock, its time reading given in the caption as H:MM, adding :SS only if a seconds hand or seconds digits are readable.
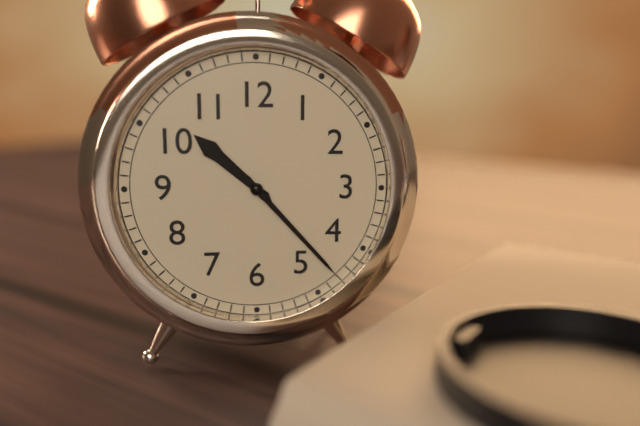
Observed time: 10:23
